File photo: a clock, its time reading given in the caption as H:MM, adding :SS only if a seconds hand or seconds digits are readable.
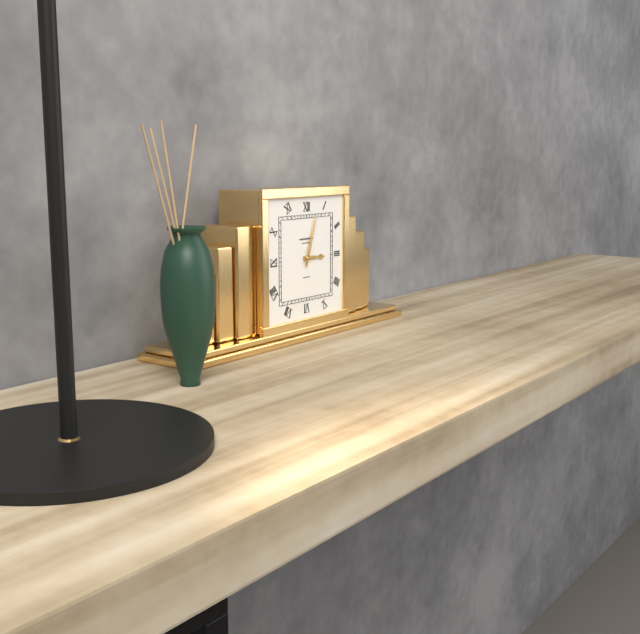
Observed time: 3:03
